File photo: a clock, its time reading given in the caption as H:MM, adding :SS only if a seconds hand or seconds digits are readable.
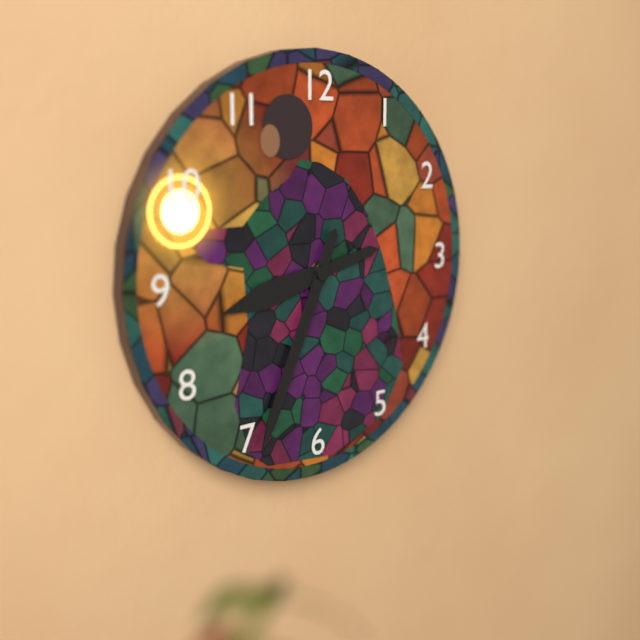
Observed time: 8:34
